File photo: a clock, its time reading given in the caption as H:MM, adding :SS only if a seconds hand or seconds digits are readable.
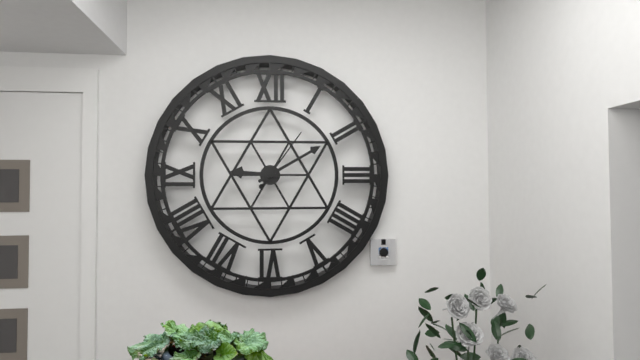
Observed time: 9:10:06
